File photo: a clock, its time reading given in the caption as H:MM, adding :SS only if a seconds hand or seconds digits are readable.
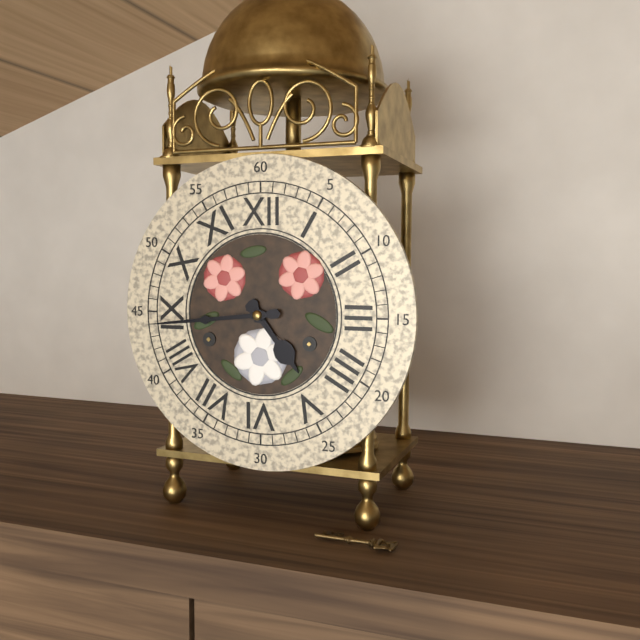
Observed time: 4:44
